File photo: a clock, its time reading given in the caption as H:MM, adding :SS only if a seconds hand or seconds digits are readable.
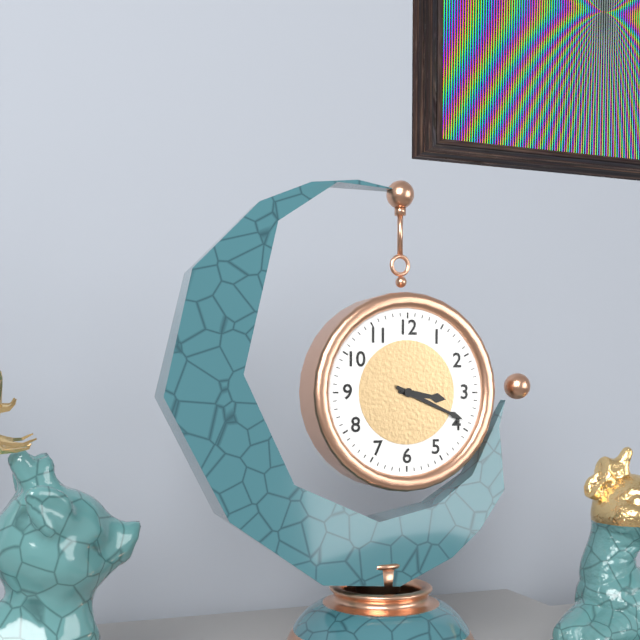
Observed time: 3:19
